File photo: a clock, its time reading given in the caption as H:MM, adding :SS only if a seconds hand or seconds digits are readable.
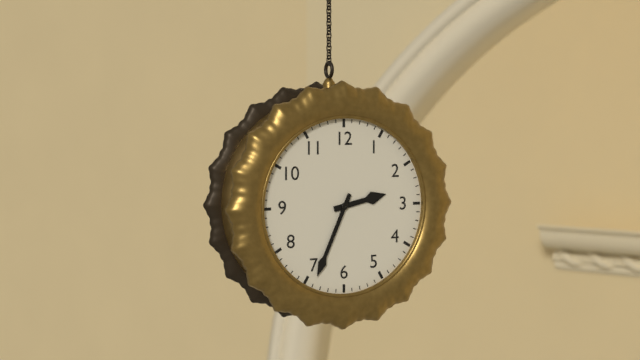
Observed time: 2:34
